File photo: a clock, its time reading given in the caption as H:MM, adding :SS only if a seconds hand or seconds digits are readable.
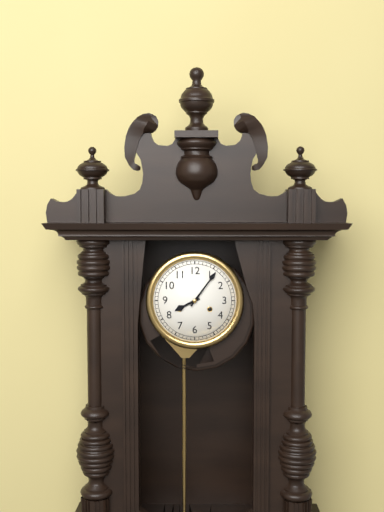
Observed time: 8:06
